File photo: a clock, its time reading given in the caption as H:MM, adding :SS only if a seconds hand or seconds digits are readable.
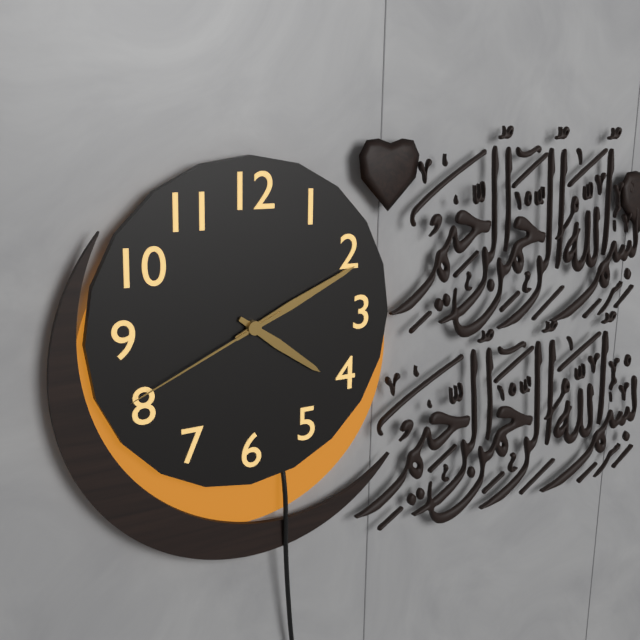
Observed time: 4:11:41
